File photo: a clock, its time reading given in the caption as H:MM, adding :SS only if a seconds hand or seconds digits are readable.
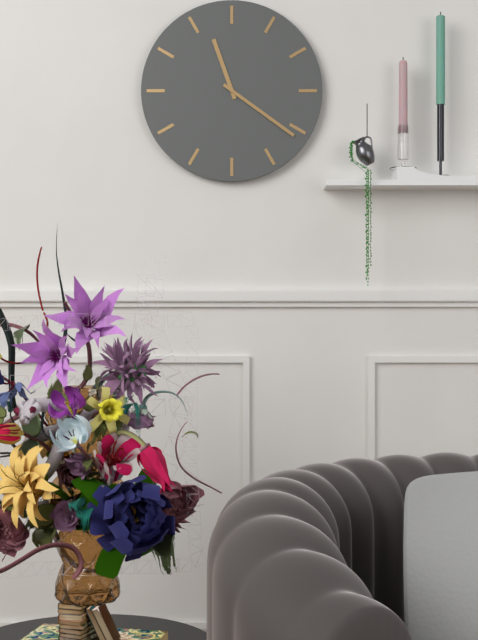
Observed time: 11:21
